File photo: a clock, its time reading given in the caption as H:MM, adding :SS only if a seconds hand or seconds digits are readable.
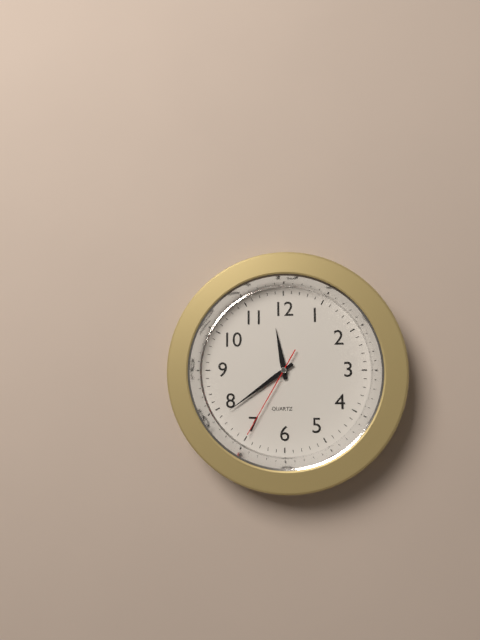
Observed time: 11:39:35
